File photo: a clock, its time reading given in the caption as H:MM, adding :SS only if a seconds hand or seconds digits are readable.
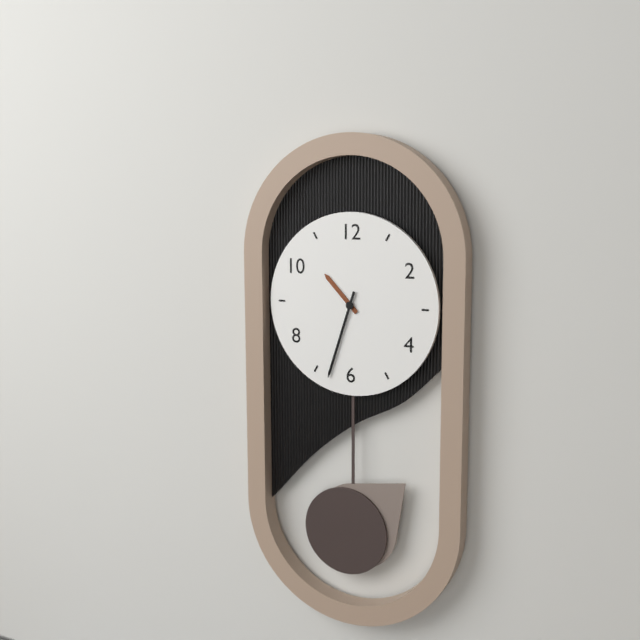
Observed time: 10:33
